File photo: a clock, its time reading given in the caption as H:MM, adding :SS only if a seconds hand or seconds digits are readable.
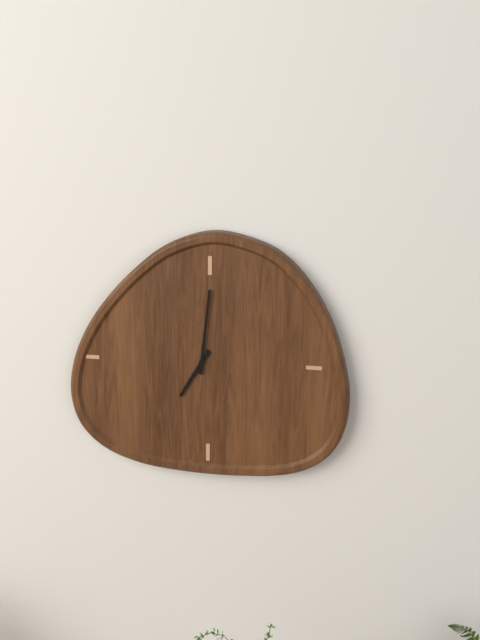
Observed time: 7:01
